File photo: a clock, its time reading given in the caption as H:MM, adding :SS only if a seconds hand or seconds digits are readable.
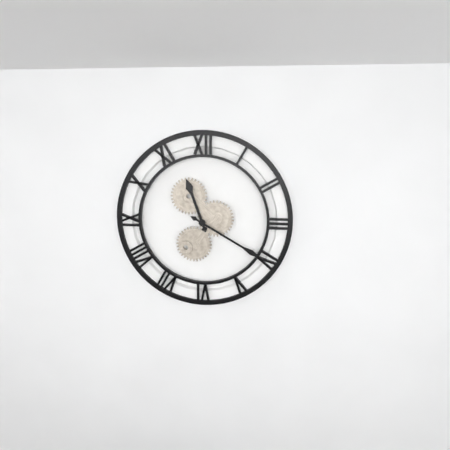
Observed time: 11:20
